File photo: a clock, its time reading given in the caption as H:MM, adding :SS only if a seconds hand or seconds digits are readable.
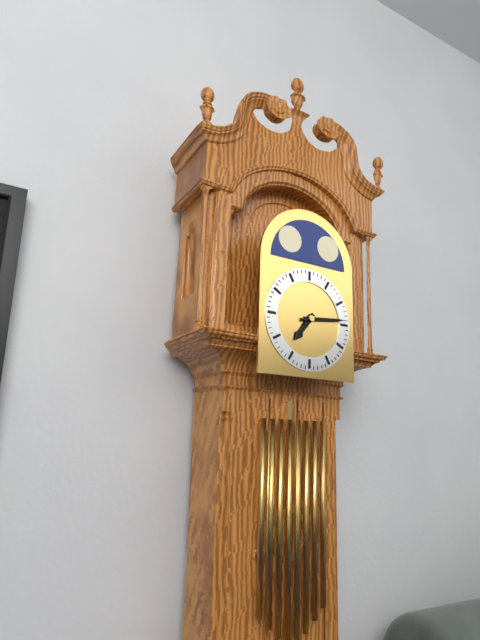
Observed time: 7:14
